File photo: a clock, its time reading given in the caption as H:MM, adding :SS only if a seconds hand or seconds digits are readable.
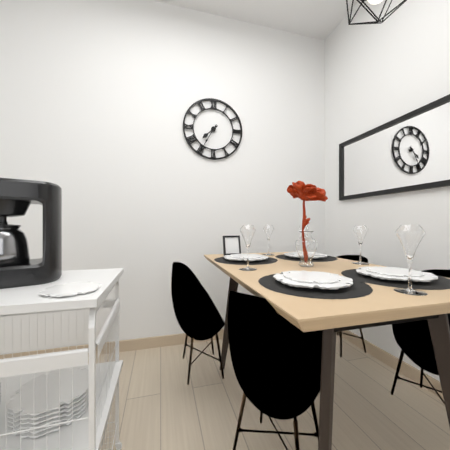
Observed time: 7:35
